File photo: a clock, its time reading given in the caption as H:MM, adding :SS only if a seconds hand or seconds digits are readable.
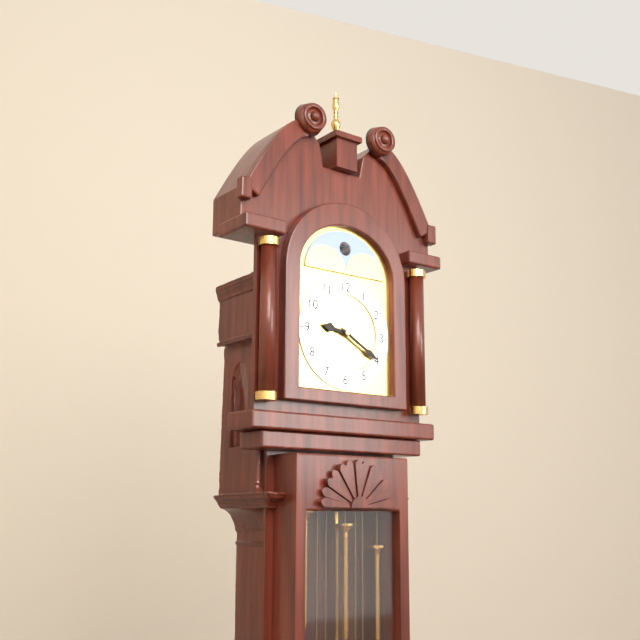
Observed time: 9:20
